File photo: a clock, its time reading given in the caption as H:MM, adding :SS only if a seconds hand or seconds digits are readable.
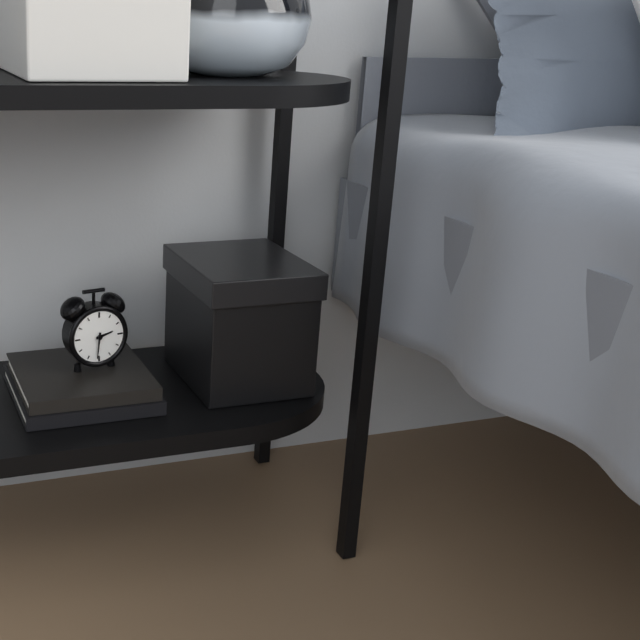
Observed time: 2:31
